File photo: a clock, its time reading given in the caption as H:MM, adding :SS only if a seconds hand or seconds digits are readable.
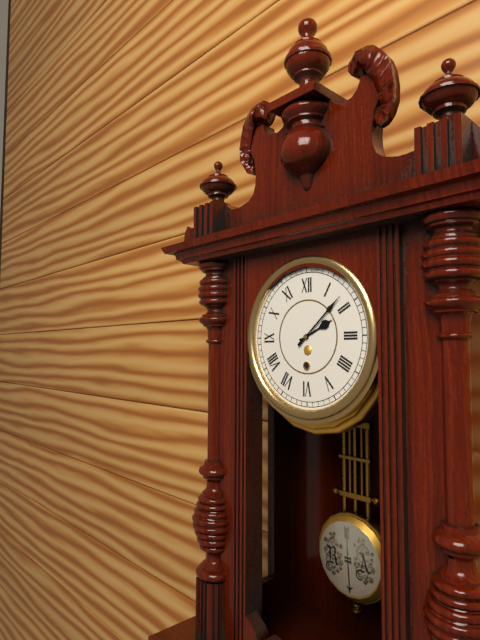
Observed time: 2:08
